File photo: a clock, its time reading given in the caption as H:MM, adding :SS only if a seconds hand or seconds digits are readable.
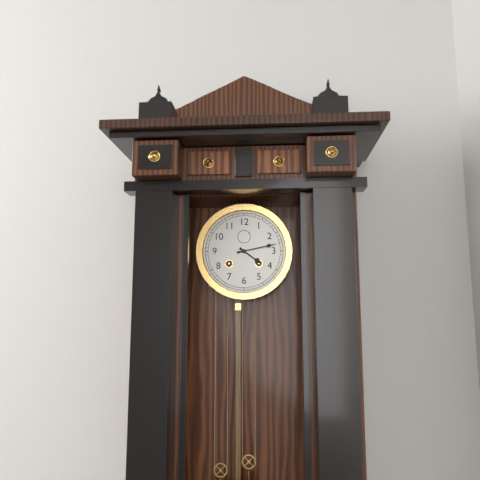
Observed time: 4:13
